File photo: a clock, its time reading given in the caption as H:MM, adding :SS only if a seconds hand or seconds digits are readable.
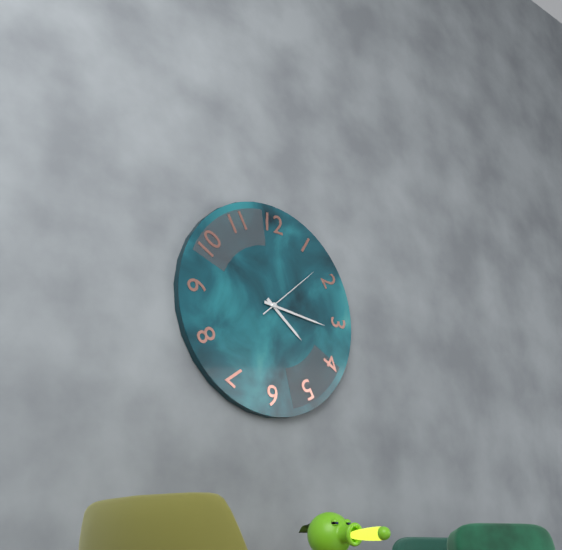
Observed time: 4:16:08
